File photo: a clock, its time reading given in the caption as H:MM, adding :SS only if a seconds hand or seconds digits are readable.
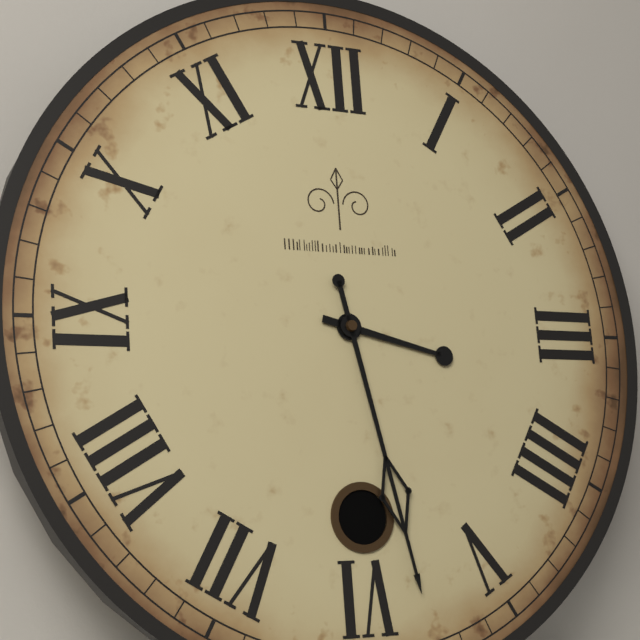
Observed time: 3:28
